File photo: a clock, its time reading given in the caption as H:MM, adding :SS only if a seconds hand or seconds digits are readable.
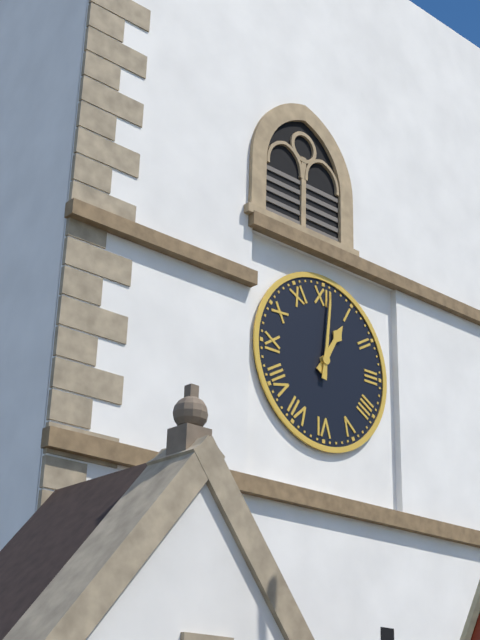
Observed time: 1:01
